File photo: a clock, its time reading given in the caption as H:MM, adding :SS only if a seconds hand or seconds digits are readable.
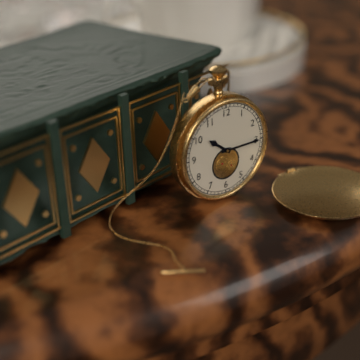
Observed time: 10:15
